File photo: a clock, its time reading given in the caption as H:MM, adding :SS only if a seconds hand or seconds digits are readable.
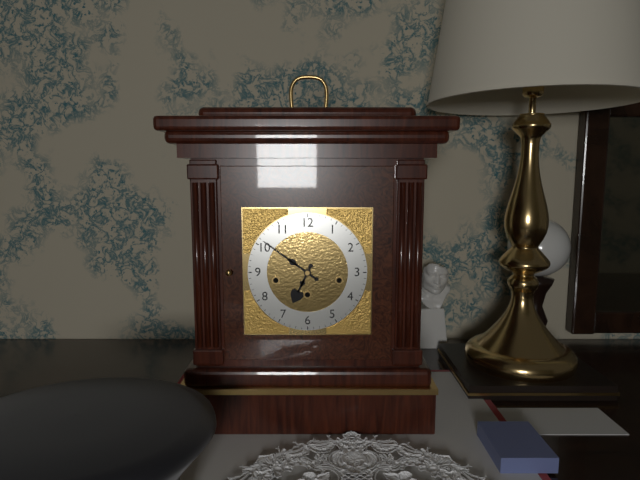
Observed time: 6:51
